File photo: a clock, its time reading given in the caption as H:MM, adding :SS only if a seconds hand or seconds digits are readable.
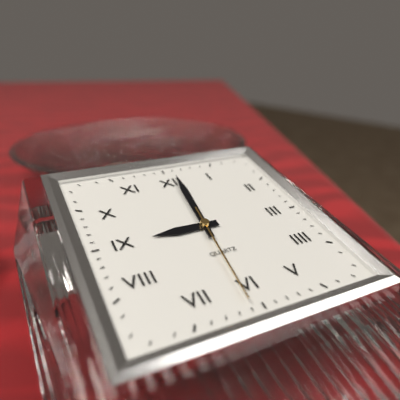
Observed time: 9:01:31
